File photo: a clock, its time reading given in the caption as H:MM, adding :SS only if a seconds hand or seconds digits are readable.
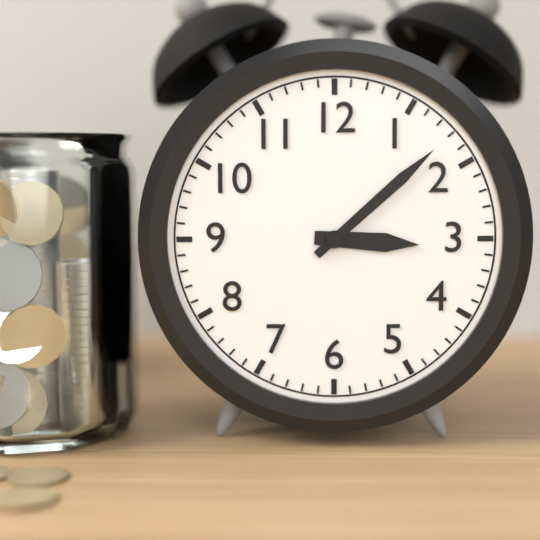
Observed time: 3:08
